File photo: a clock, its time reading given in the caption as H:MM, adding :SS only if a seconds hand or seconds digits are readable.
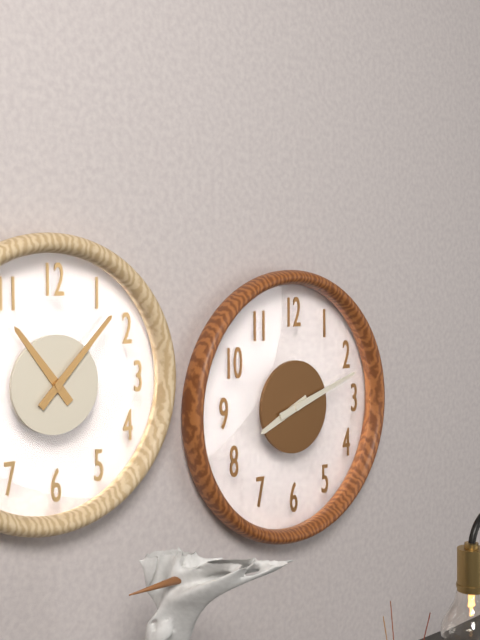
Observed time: 8:12
